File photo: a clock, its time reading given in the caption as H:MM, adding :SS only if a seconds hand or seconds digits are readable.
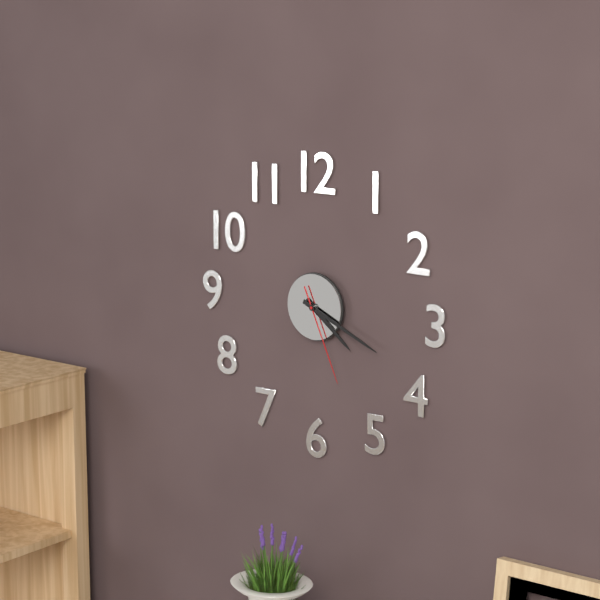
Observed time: 4:19:26
